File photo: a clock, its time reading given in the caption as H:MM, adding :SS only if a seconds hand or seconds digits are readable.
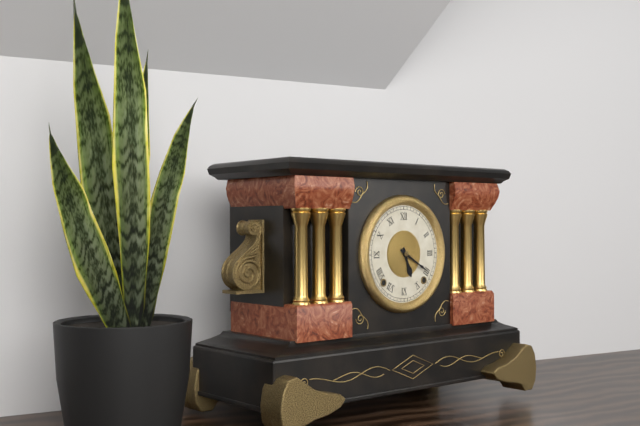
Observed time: 5:20
